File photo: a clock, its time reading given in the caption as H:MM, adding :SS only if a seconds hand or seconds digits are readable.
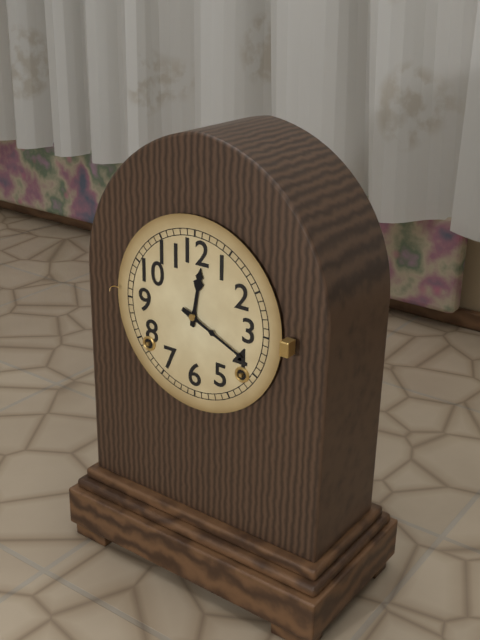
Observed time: 12:19
